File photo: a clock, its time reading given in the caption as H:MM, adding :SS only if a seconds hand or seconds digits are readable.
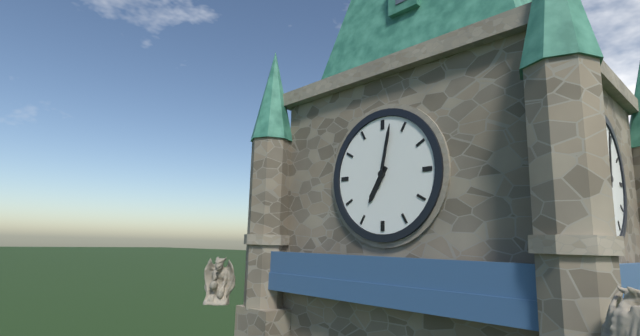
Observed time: 7:02
